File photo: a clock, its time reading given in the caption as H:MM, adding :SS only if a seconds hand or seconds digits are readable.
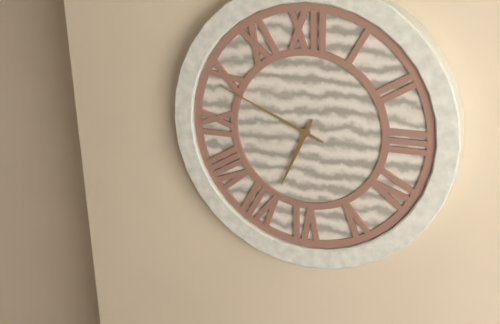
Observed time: 6:49
